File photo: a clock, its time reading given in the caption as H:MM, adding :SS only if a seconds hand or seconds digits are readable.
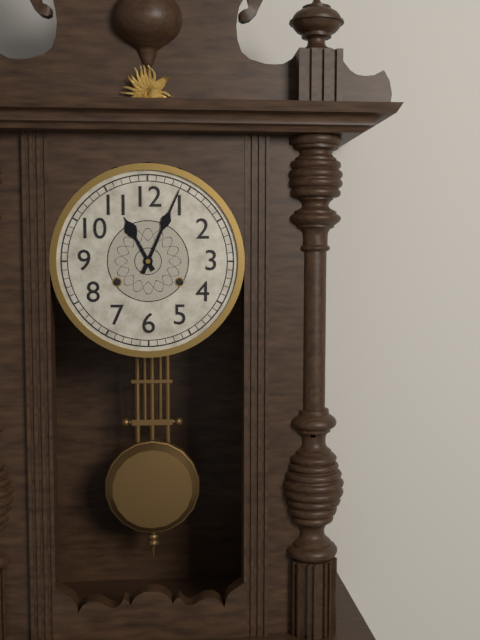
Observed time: 11:04
